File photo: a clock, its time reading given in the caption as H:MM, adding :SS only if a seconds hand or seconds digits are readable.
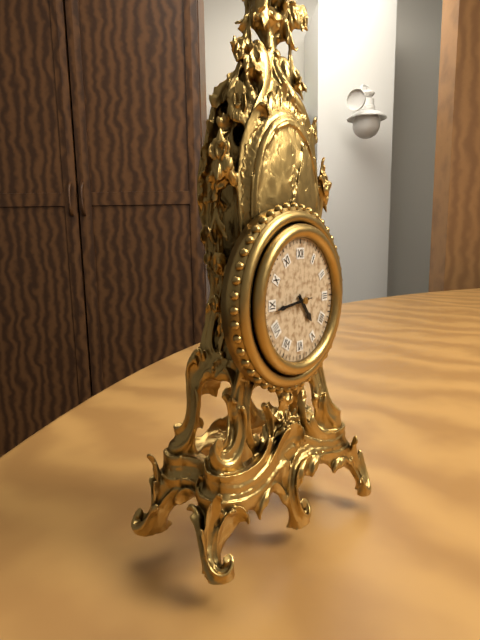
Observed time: 4:44
